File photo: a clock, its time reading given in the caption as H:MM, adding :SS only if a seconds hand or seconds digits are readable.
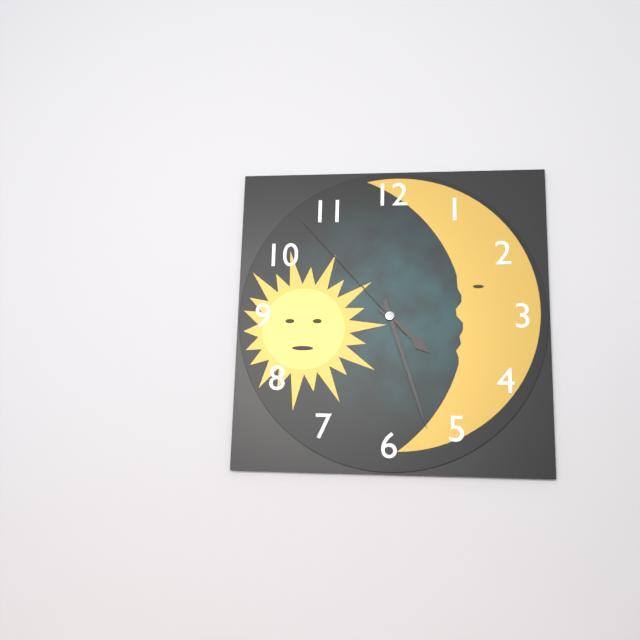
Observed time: 4:27:53
